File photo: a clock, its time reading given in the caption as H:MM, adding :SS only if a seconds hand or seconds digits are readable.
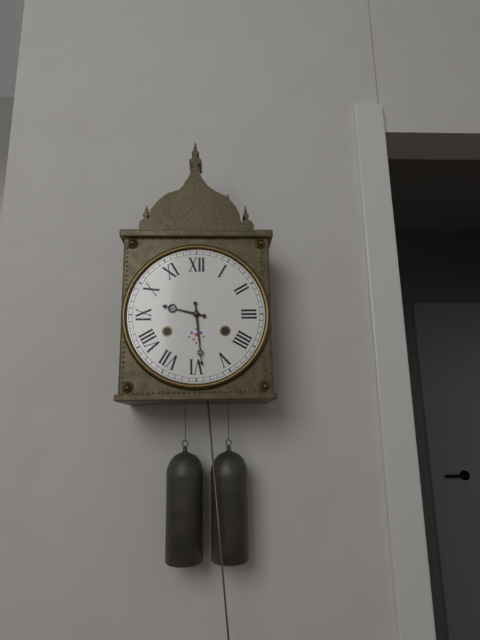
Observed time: 9:29
